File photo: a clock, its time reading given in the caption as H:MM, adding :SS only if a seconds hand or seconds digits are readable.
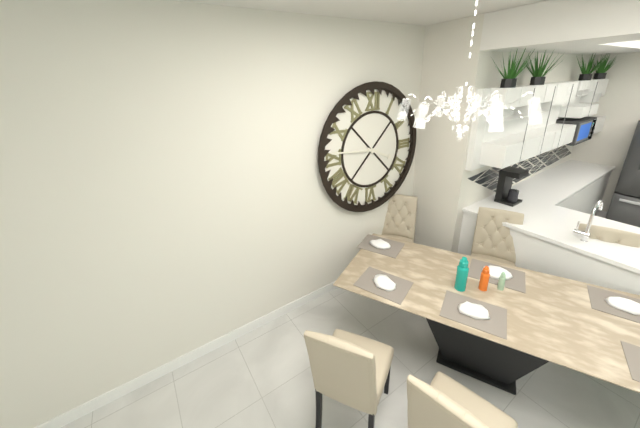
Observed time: 3:46
